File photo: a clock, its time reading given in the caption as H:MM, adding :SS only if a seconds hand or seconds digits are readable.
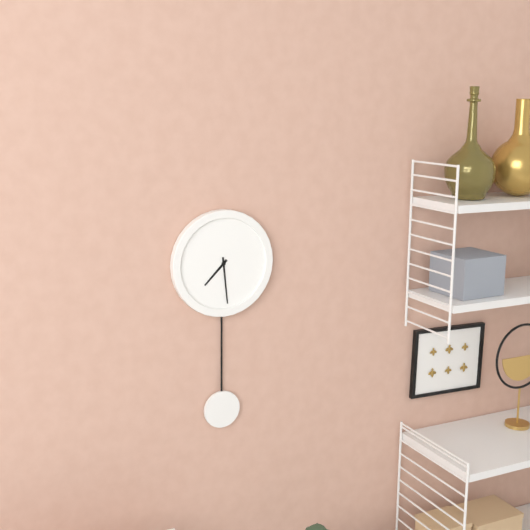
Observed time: 7:29
